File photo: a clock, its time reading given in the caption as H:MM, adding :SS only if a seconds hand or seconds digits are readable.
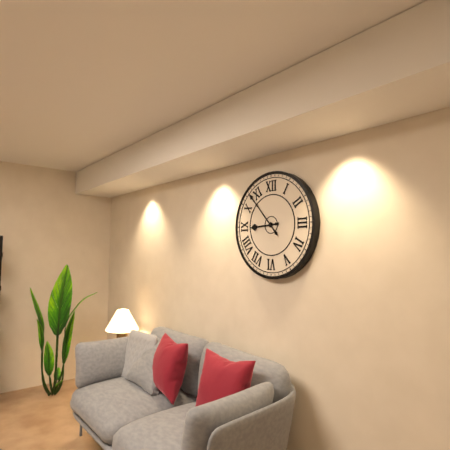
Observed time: 8:53
